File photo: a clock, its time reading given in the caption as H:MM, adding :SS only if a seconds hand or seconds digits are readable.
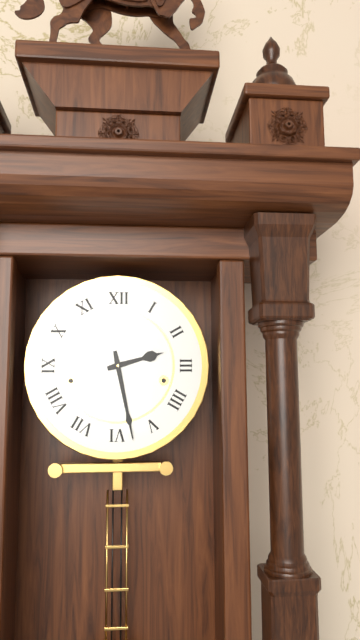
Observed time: 2:28
